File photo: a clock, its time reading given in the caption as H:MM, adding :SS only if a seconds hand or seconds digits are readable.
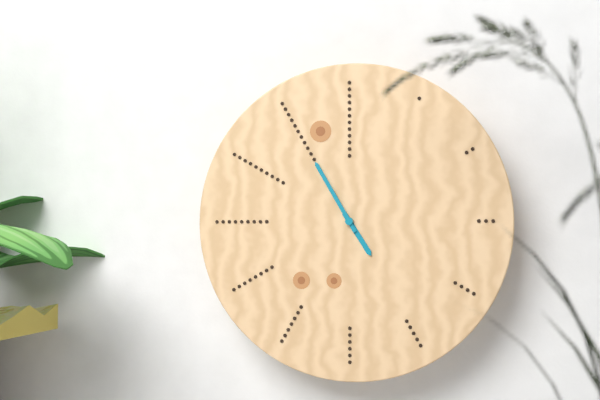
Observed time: 4:55
